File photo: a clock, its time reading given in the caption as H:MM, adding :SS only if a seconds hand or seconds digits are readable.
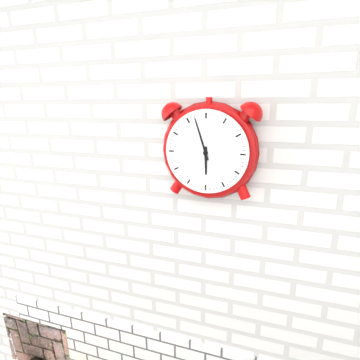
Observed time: 5:57
